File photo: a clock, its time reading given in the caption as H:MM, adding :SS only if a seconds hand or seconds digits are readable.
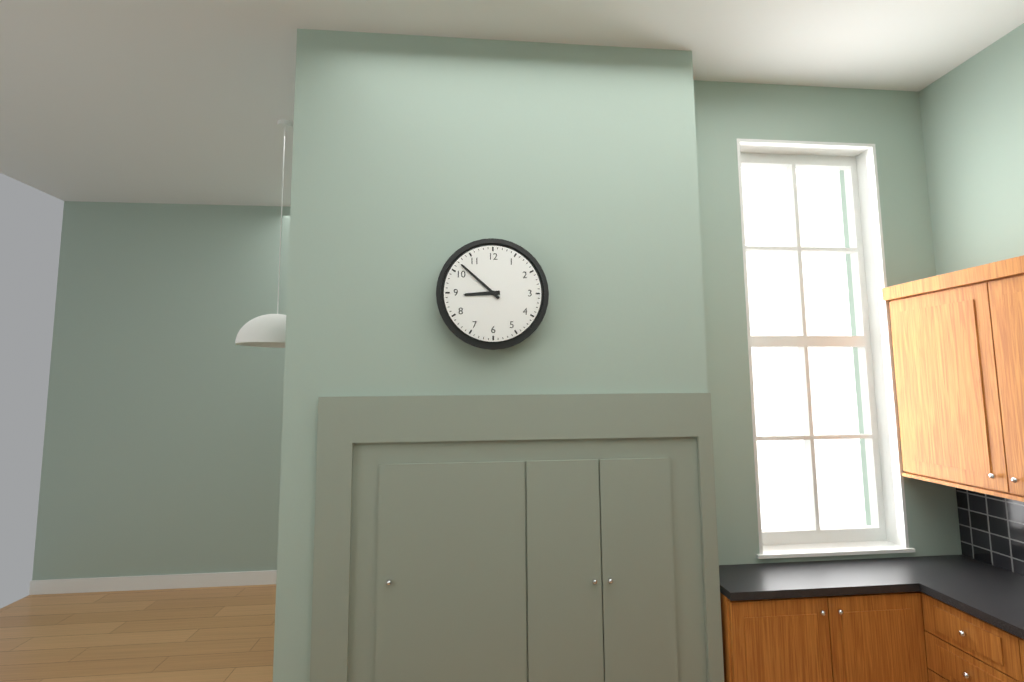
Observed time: 8:52
